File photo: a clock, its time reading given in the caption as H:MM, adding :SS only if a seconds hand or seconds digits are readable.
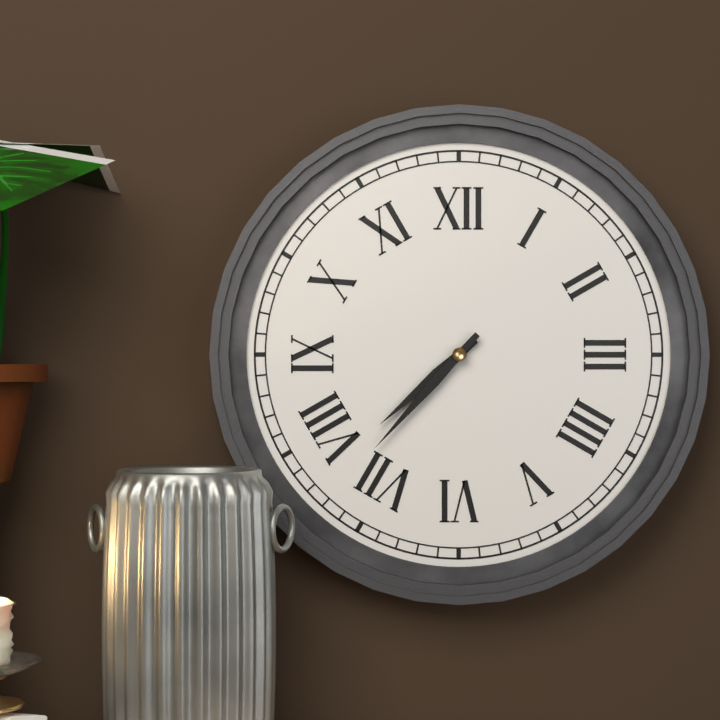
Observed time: 7:37
